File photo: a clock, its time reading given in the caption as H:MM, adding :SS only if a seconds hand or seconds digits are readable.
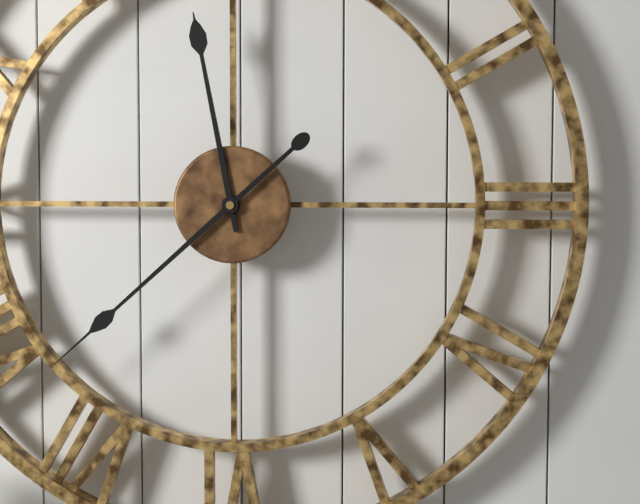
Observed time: 11:38
